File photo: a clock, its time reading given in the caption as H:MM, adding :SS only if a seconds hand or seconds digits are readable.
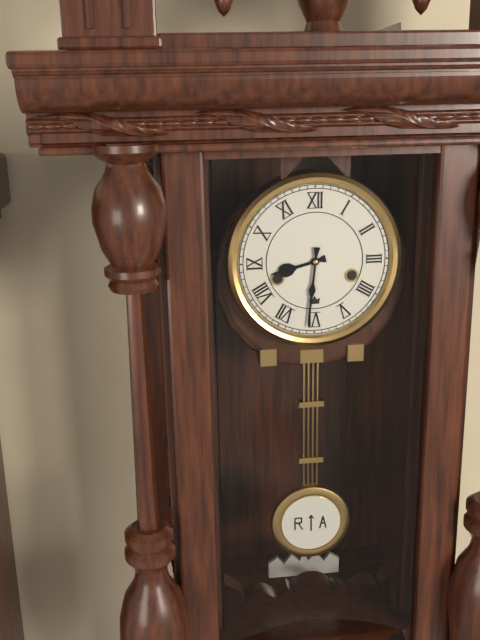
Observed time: 8:31
